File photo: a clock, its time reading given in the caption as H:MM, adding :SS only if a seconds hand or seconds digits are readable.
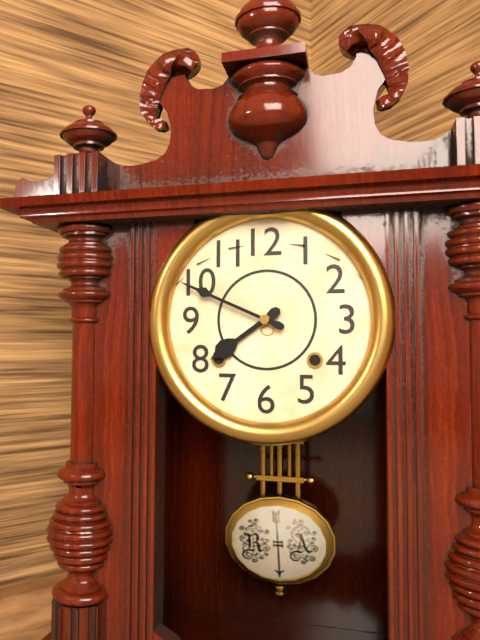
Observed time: 7:49
